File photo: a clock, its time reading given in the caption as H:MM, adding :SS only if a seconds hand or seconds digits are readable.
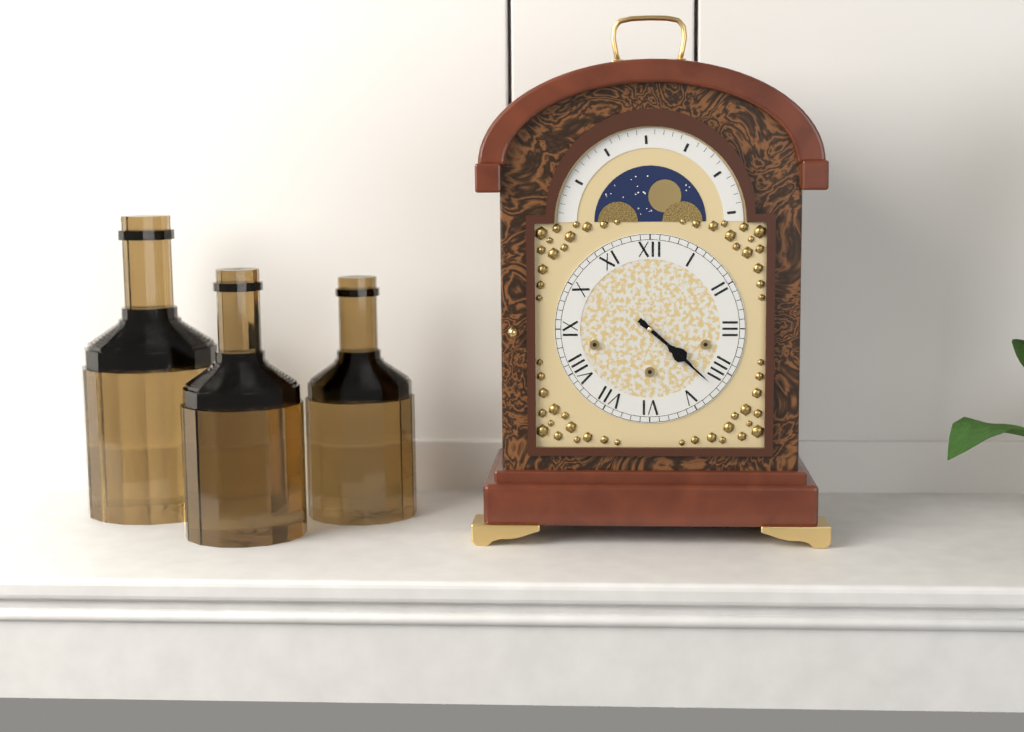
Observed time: 4:22
